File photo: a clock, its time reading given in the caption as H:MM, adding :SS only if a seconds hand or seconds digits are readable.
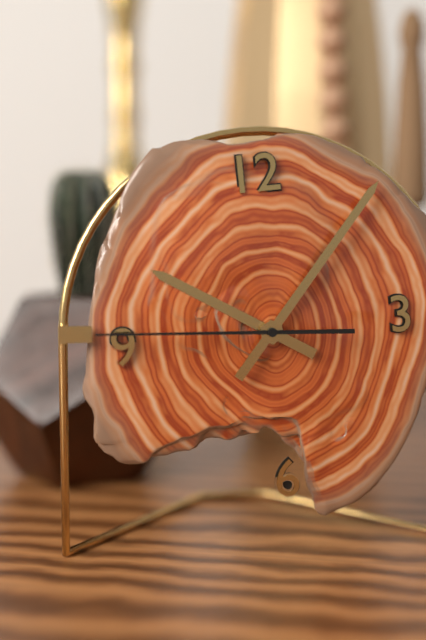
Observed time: 10:07:46
